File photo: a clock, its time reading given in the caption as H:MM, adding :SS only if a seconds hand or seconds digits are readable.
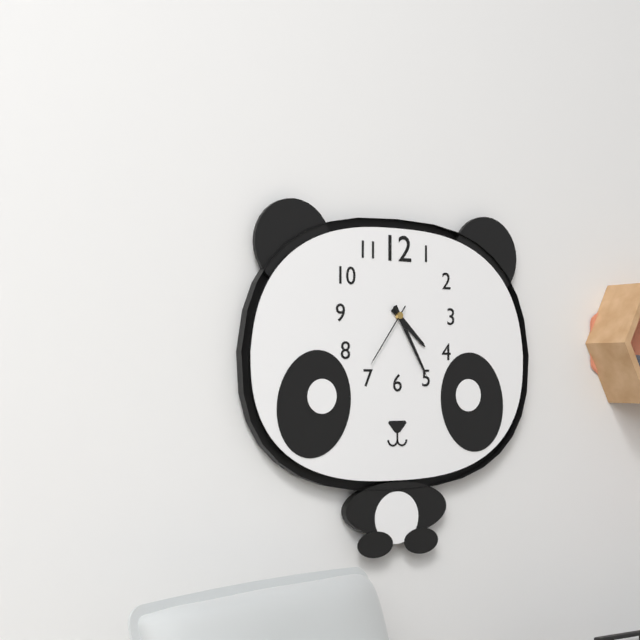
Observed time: 4:25:36
